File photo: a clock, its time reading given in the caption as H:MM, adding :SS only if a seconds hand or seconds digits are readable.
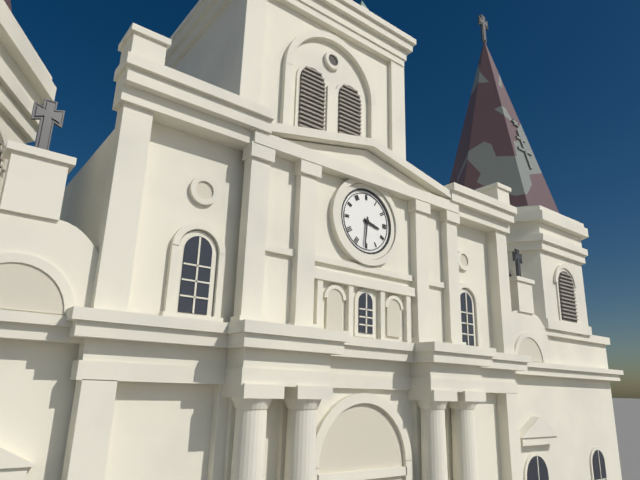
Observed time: 3:31
